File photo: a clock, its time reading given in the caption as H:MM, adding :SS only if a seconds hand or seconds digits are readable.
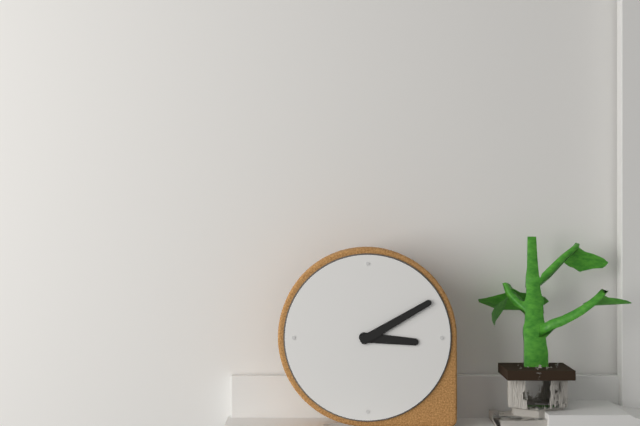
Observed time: 3:10
